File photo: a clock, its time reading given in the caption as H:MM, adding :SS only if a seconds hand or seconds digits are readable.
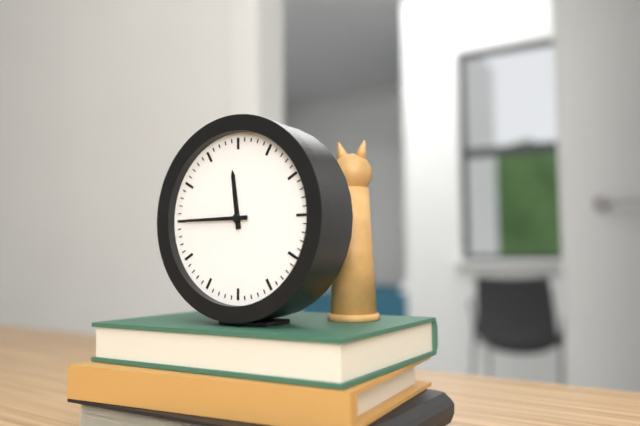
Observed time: 11:45
